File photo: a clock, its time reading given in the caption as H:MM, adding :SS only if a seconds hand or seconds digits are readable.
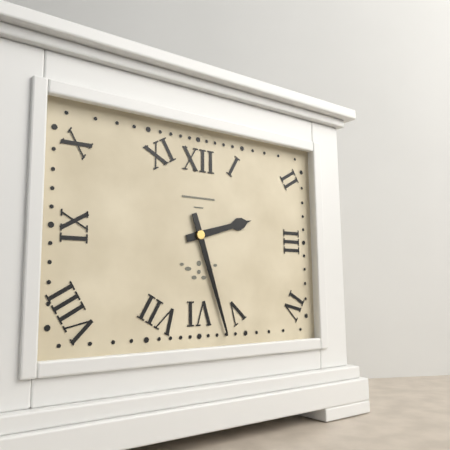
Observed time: 2:27
